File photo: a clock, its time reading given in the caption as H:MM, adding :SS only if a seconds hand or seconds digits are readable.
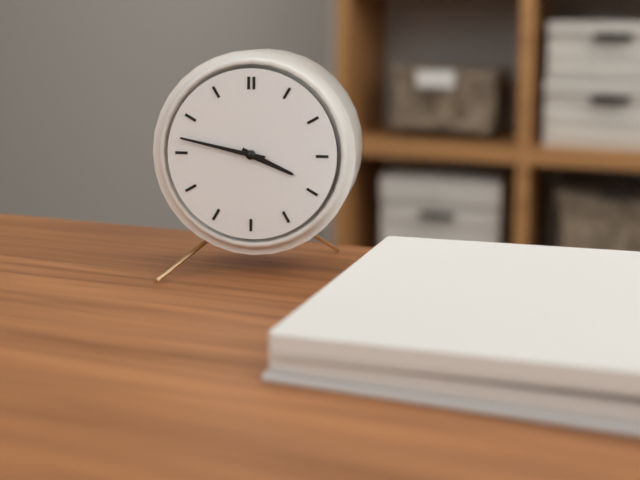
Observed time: 3:47
